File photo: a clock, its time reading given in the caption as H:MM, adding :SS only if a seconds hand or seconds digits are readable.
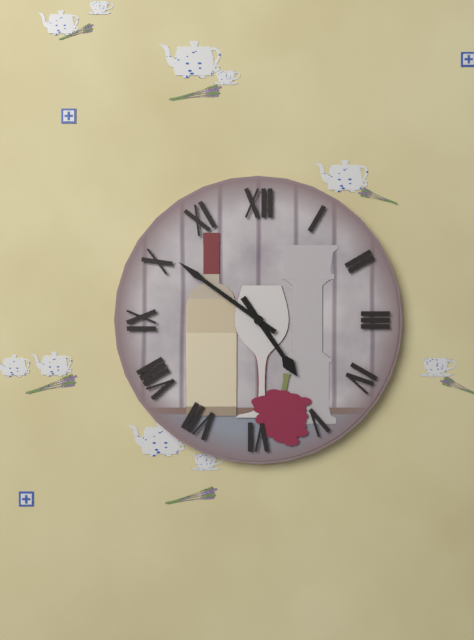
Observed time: 4:51
